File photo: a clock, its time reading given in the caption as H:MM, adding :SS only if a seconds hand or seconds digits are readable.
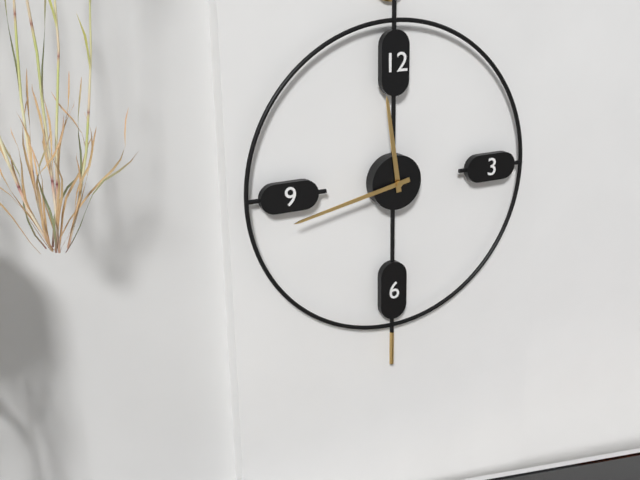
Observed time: 11:43
